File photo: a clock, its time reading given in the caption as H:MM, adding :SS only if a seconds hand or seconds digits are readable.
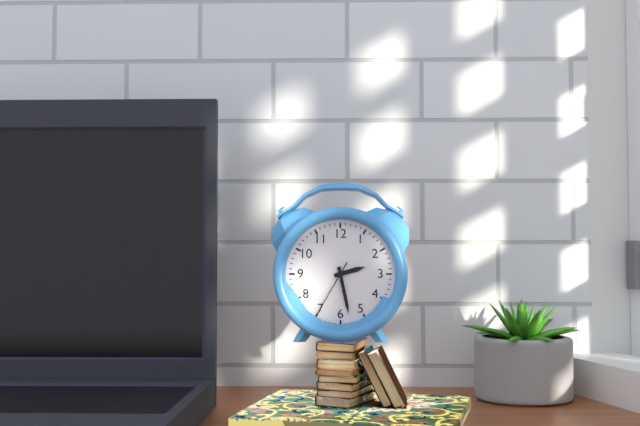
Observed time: 2:28:35
